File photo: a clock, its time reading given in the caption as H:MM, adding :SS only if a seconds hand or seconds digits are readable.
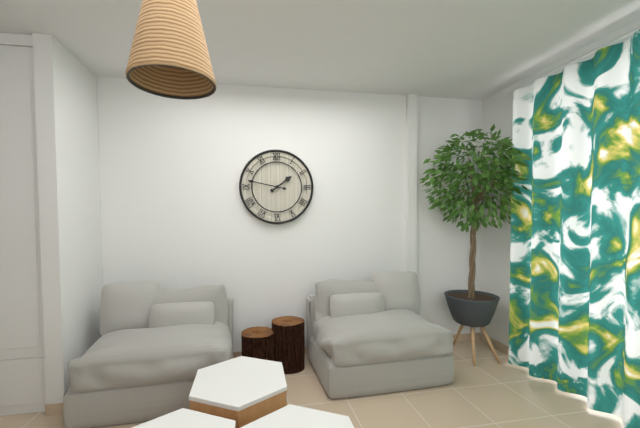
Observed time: 1:47
